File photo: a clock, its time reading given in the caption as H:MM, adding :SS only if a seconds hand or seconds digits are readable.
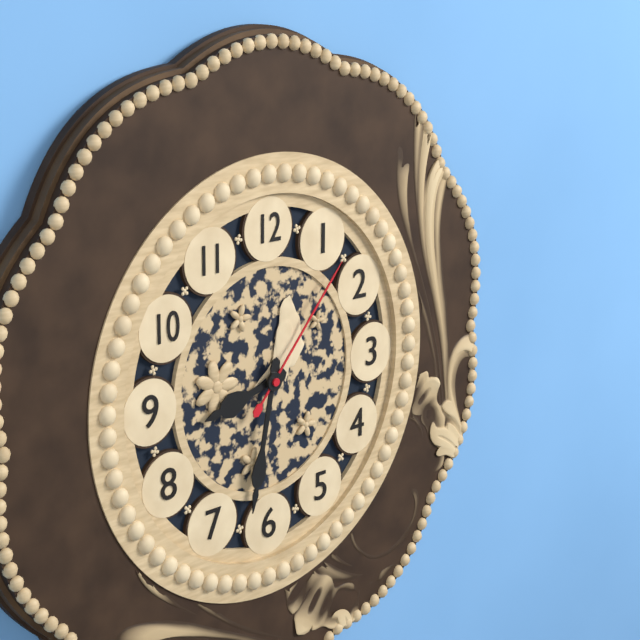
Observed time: 8:32:07
